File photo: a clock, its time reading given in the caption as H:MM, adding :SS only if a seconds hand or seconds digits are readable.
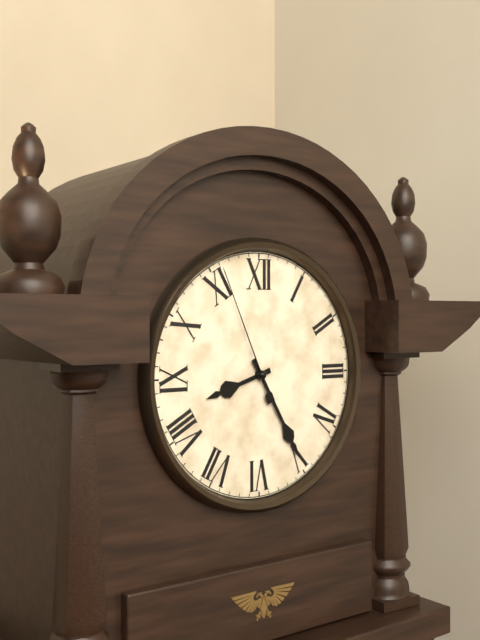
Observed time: 8:25:56
